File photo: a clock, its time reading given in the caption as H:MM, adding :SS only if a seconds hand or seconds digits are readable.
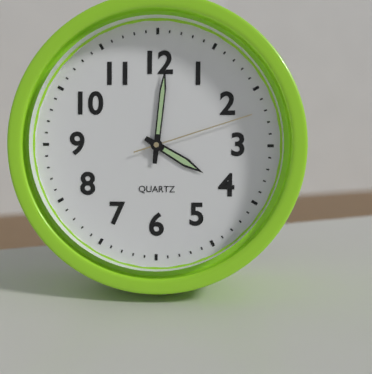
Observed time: 4:01:12
